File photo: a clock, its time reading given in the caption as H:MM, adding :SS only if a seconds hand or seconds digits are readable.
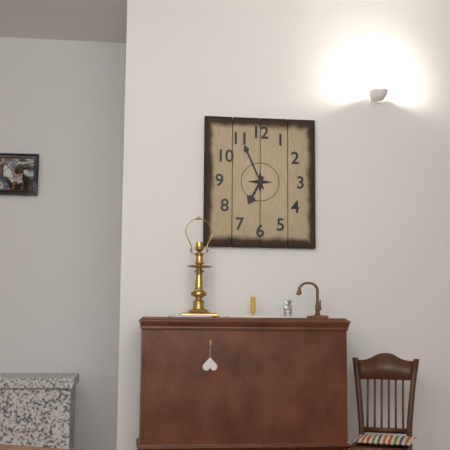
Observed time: 6:56
